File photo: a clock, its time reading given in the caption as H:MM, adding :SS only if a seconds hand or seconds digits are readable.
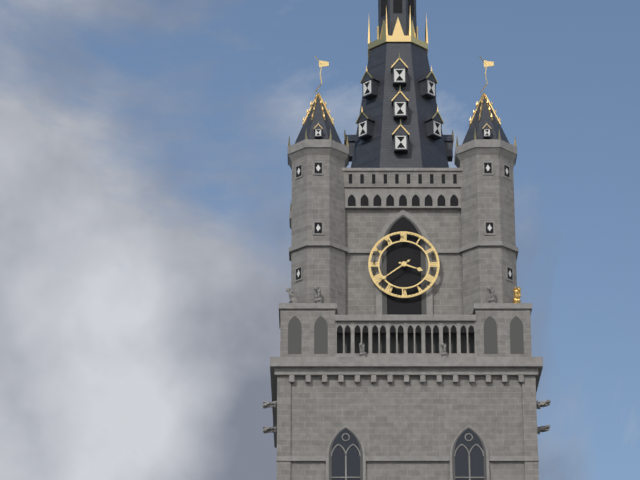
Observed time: 3:39
